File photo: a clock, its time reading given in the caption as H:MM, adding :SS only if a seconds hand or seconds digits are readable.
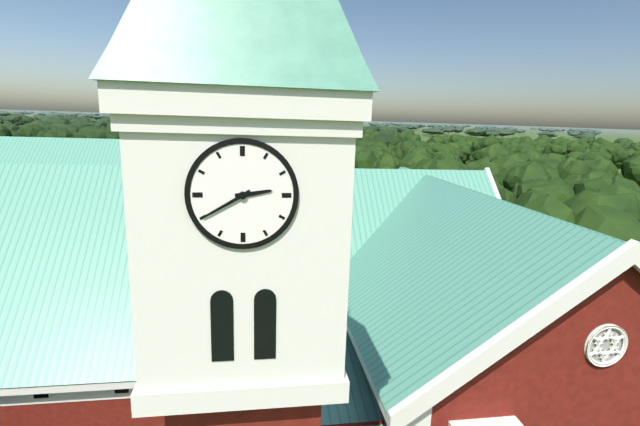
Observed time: 2:40
